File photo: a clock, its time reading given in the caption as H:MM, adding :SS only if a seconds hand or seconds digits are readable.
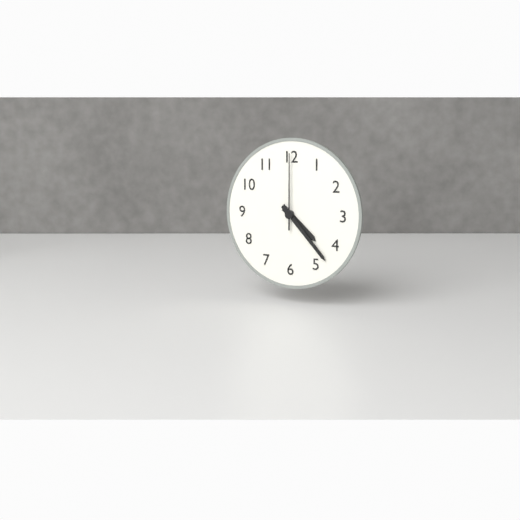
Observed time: 4:23:00
